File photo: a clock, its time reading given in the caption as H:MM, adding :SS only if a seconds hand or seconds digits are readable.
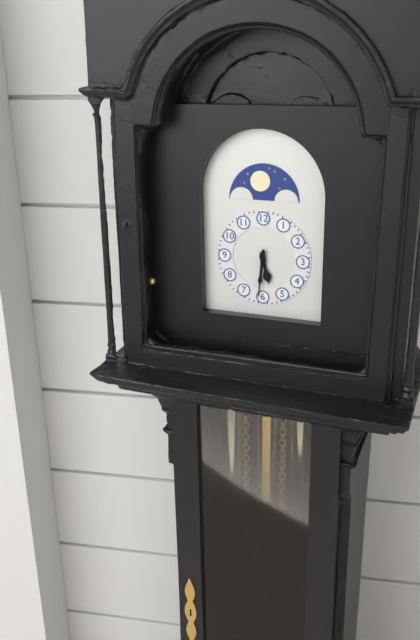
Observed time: 5:31
